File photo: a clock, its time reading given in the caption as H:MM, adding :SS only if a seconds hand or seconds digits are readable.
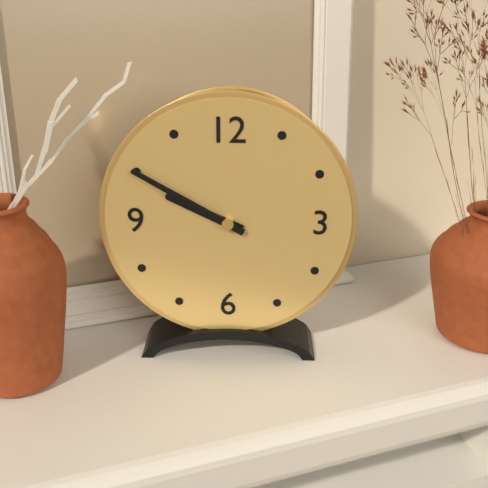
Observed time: 9:50
